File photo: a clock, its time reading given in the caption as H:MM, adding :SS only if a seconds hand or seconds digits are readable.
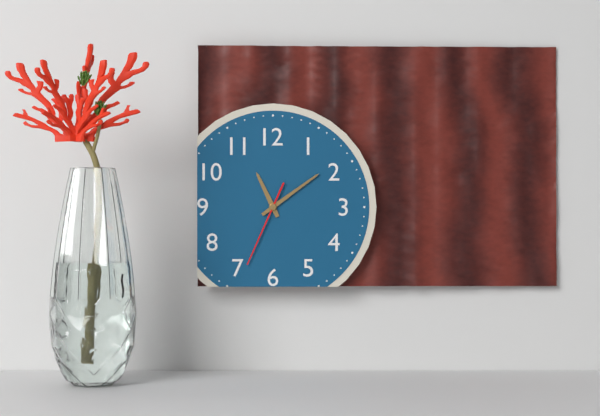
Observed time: 11:09:34
